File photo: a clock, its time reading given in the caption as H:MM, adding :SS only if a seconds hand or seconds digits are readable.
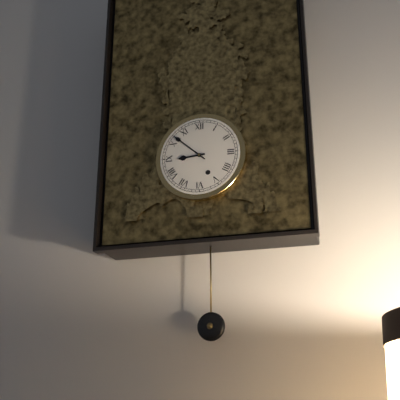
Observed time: 8:52
